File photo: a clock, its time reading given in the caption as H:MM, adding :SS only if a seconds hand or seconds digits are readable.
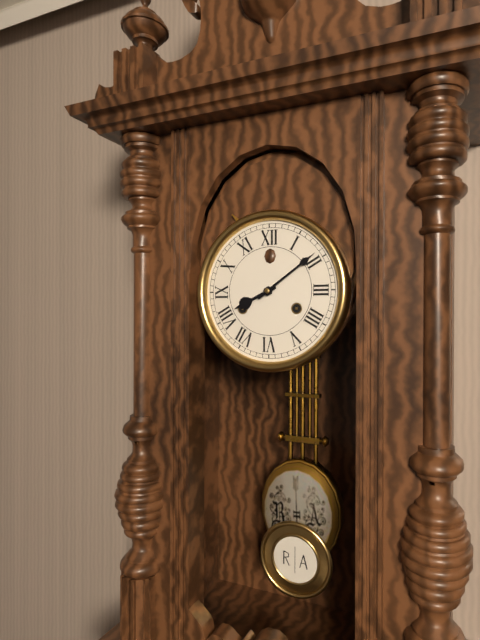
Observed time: 8:09
